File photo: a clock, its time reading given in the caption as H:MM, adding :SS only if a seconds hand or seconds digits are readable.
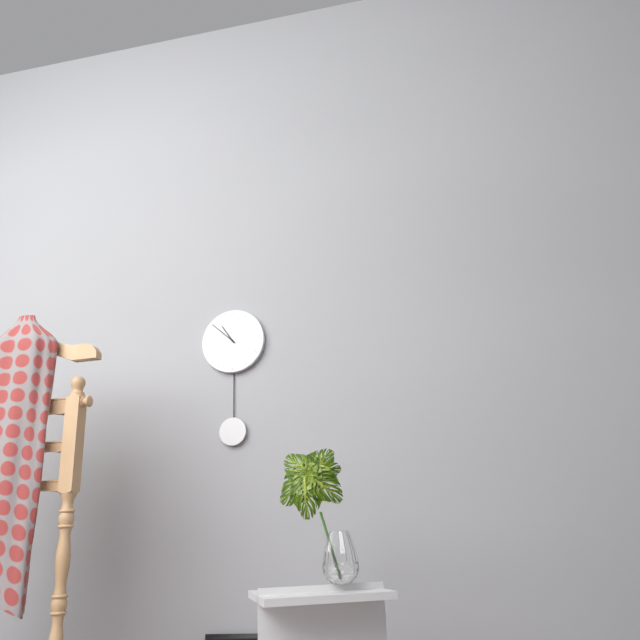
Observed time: 10:52
